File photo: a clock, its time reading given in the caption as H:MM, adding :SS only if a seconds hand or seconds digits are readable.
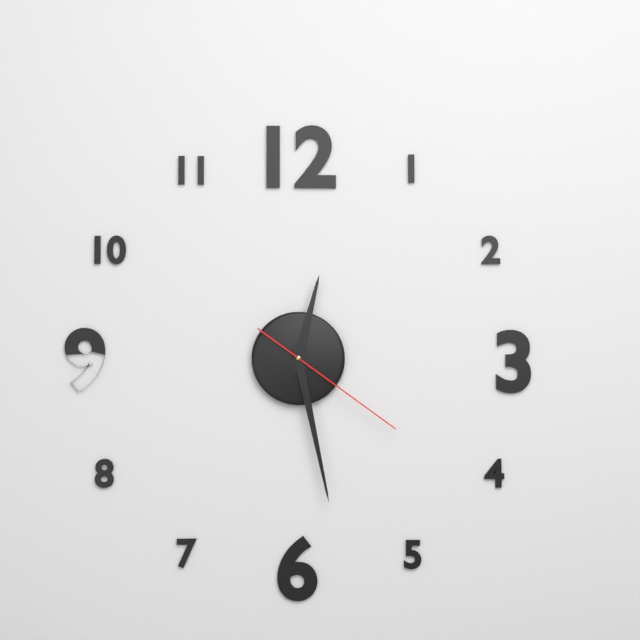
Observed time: 12:28:21
